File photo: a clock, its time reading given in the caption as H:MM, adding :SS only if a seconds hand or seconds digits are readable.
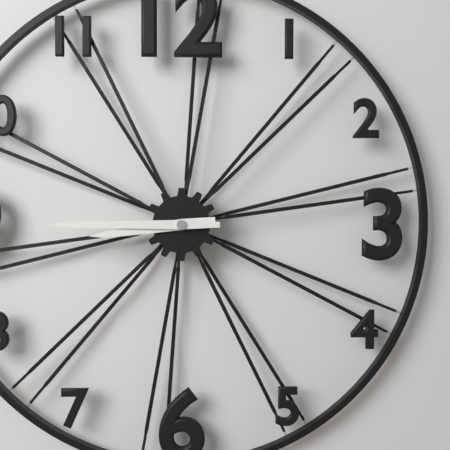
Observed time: 8:45
